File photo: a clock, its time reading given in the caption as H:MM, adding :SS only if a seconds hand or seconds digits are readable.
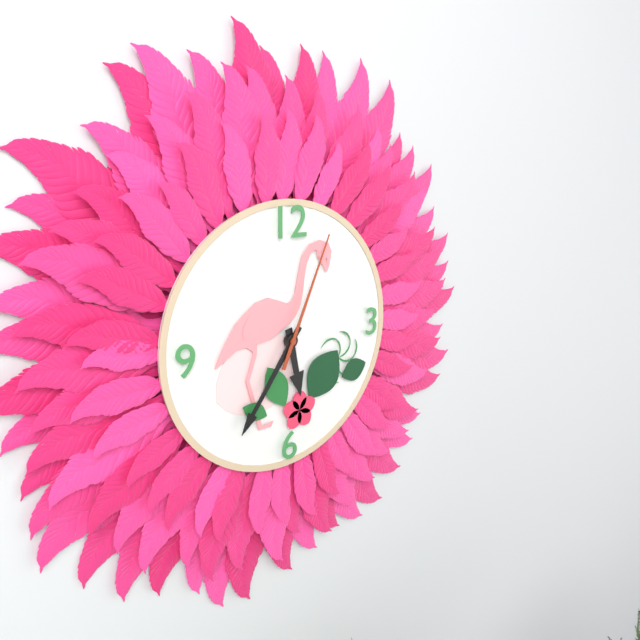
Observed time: 5:36:04
